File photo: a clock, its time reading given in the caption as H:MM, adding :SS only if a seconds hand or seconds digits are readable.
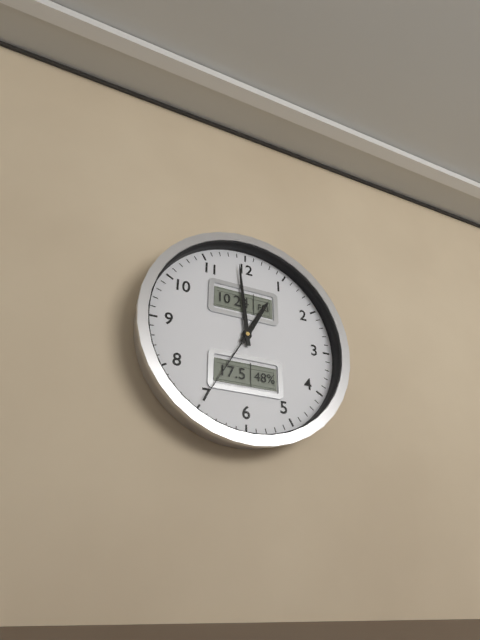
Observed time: 12:59:35
